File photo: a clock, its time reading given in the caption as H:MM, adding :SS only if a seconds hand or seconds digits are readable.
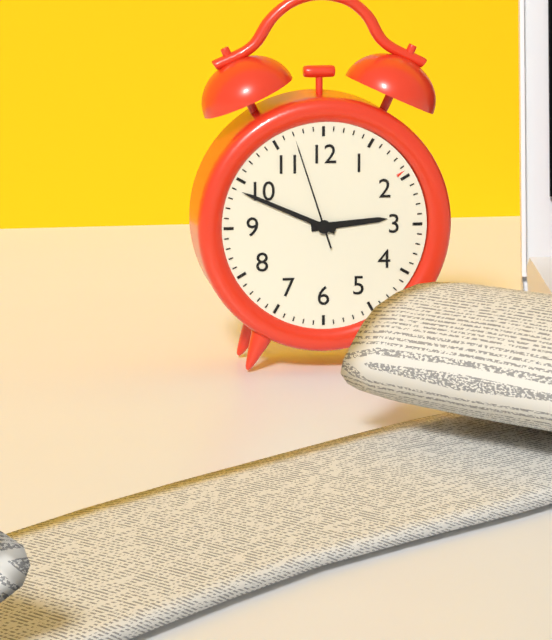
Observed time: 2:49:57
